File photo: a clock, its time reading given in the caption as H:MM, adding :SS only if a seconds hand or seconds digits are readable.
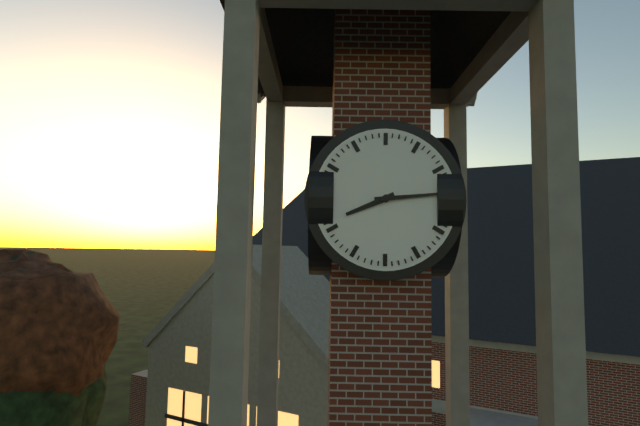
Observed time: 8:14
